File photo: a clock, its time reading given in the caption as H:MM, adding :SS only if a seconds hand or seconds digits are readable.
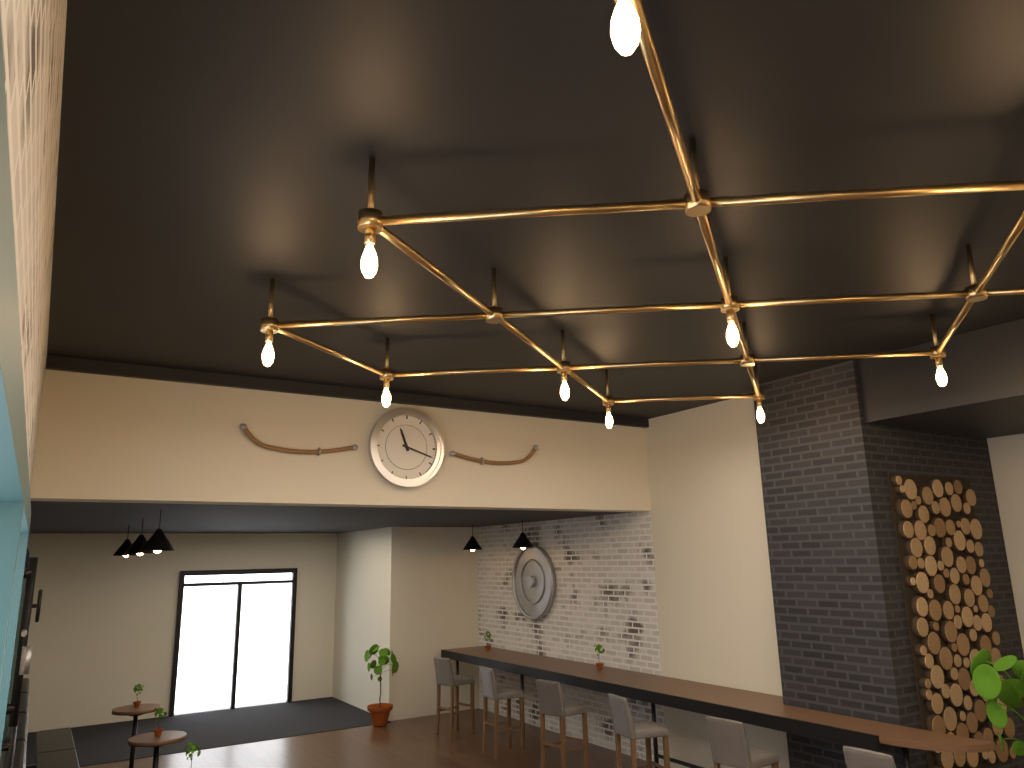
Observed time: 11:18
